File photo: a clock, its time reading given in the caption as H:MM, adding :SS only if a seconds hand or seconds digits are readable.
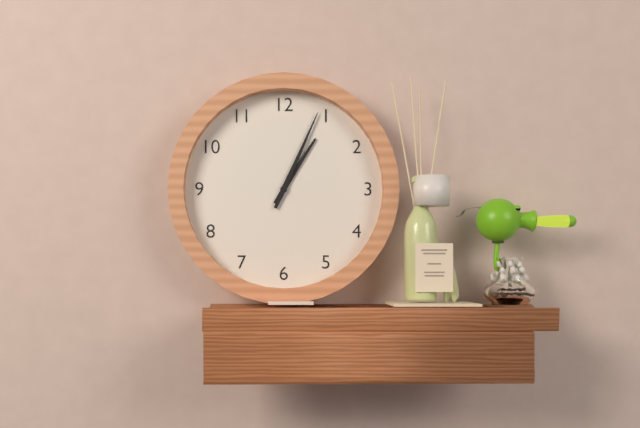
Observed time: 1:04
